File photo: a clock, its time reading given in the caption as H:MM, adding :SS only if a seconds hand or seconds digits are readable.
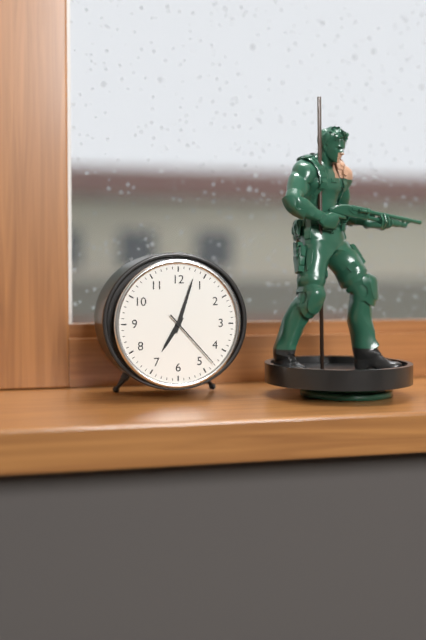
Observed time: 7:03:23
